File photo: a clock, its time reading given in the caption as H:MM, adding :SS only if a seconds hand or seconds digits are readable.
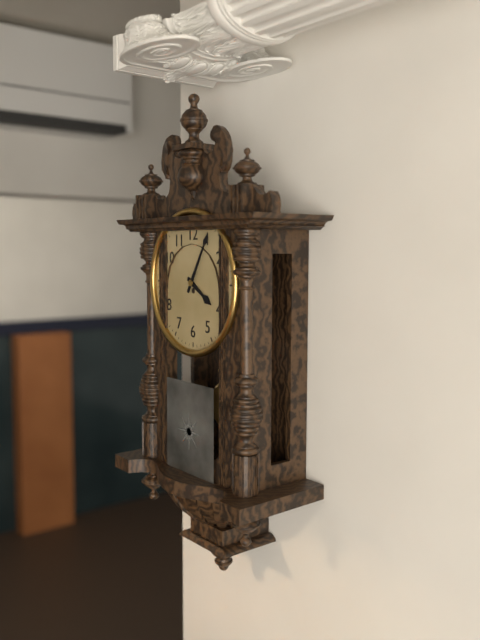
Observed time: 4:05
